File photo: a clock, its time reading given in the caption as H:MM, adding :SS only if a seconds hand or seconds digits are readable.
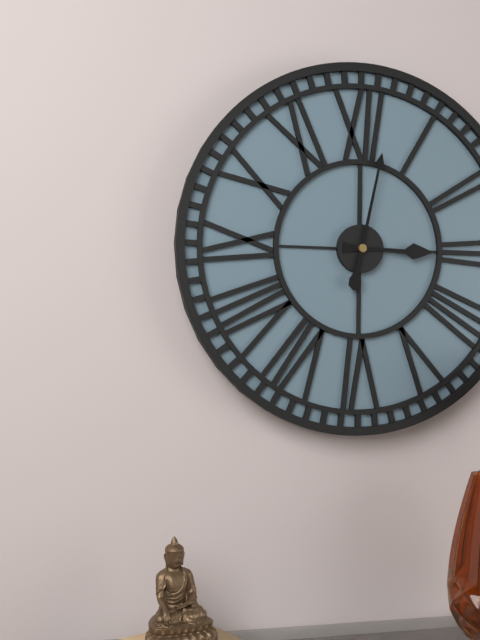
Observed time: 3:02
